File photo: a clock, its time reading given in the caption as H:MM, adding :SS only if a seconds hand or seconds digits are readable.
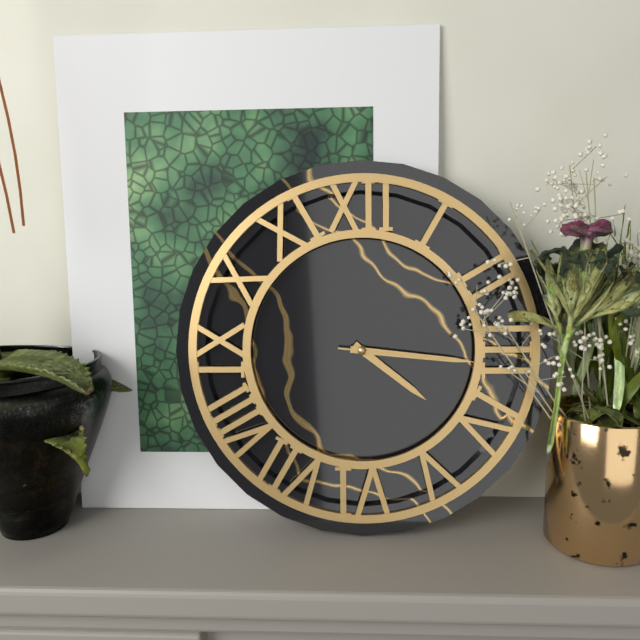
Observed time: 4:16:16
